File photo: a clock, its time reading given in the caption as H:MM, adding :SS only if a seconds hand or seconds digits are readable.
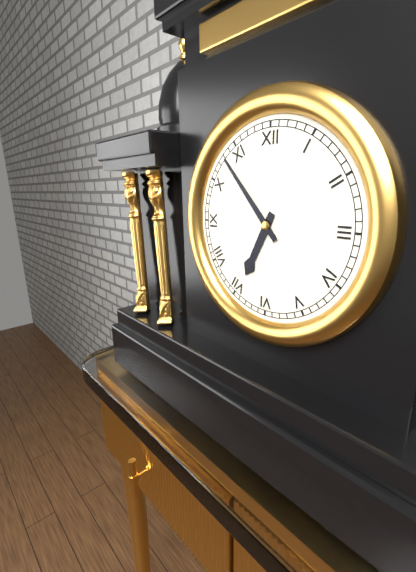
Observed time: 6:53
